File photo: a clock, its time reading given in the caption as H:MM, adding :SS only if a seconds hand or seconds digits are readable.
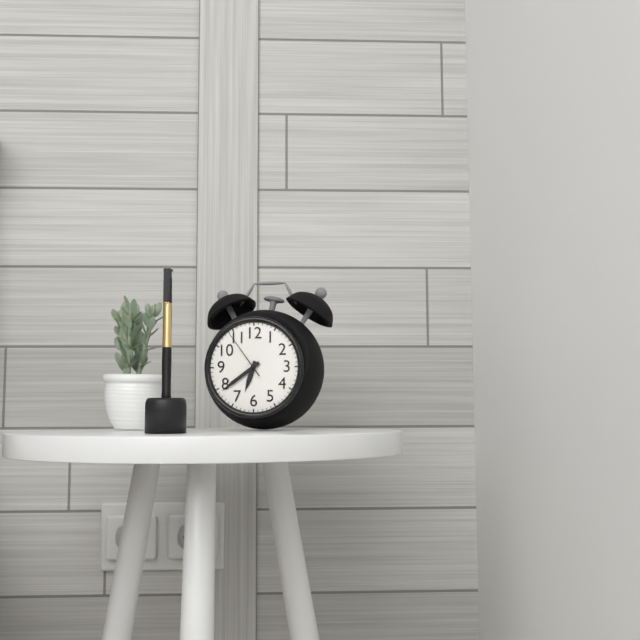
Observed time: 6:39:54
